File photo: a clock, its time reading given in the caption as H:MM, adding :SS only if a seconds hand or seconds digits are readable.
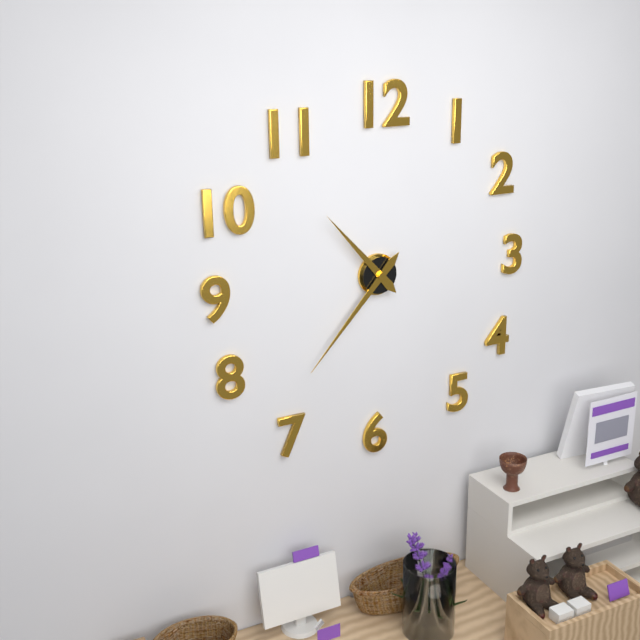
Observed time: 10:37
